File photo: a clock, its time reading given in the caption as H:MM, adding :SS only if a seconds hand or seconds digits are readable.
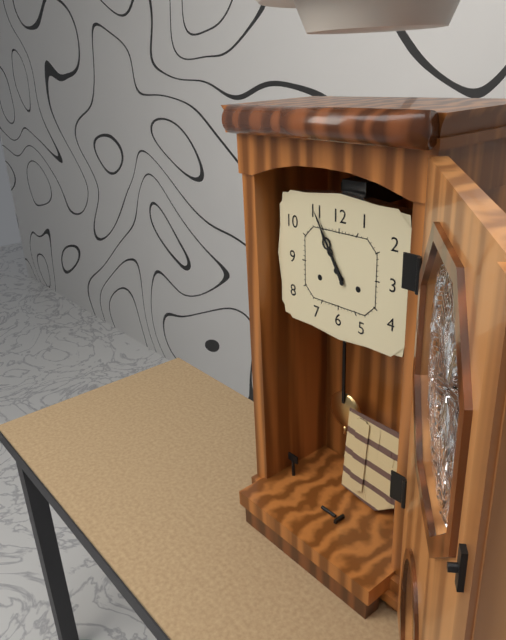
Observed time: 10:55
